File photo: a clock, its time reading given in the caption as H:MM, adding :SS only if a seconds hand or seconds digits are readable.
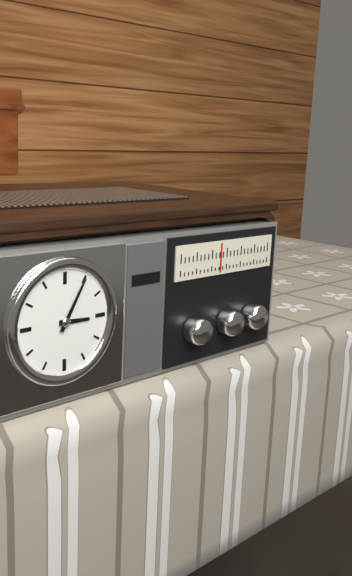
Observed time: 3:05
